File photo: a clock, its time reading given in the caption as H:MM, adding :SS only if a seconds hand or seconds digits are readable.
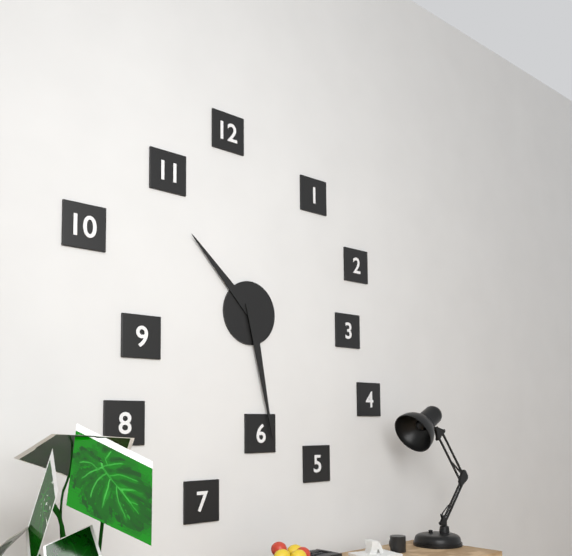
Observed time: 10:28
